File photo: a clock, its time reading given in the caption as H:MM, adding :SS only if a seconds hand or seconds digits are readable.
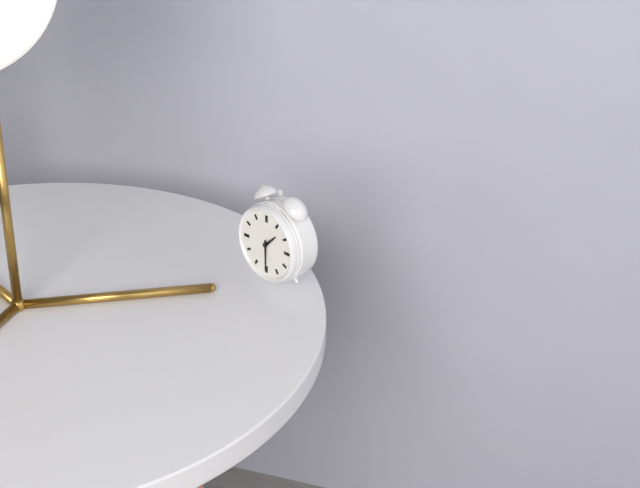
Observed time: 1:30
